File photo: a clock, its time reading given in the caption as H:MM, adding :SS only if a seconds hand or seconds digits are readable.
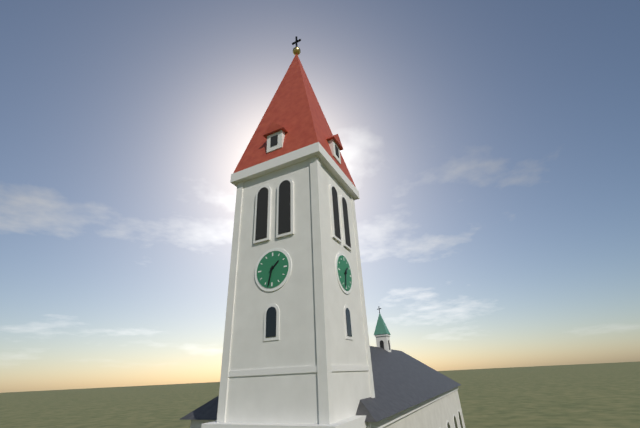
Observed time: 1:32
